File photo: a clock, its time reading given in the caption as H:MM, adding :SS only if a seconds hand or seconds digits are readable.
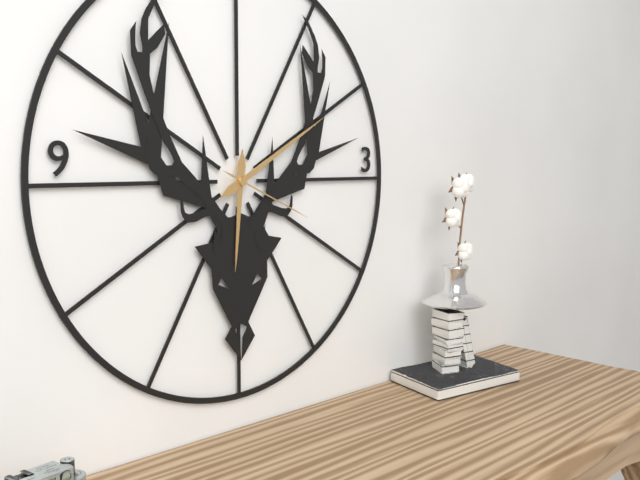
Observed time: 6:10:19
